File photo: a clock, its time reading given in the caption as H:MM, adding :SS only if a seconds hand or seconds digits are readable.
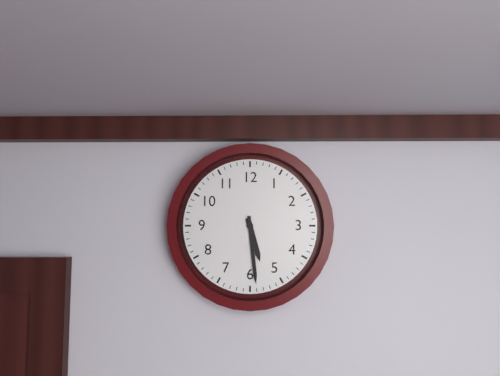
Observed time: 5:29
